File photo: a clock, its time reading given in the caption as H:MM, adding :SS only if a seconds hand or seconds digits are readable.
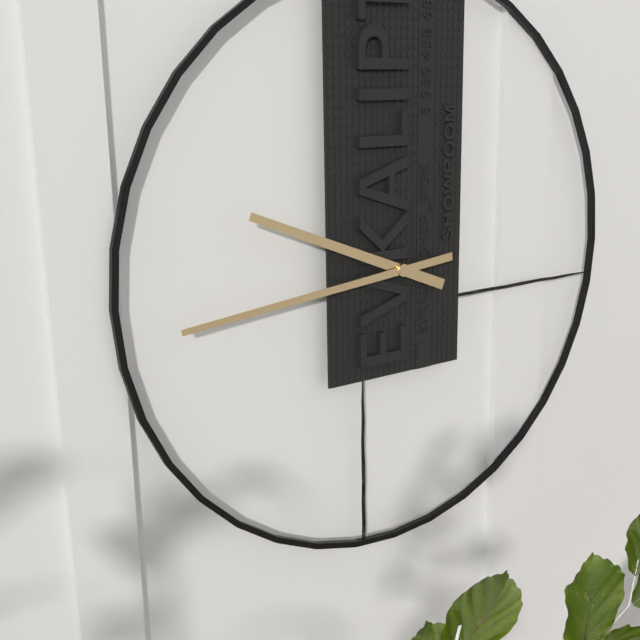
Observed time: 9:44
